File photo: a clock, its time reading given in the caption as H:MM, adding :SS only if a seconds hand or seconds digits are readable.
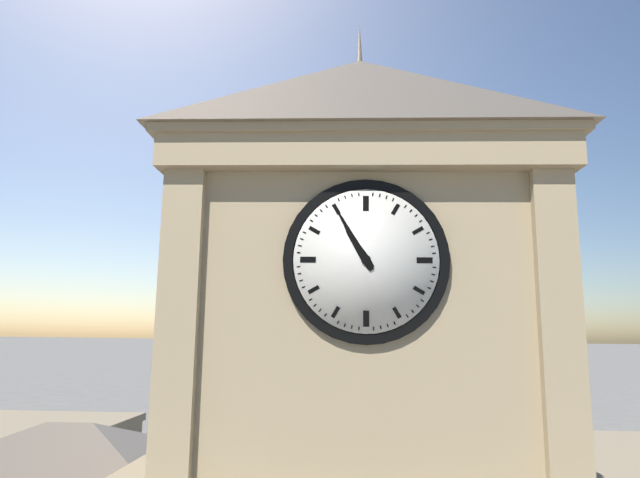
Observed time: 10:55
